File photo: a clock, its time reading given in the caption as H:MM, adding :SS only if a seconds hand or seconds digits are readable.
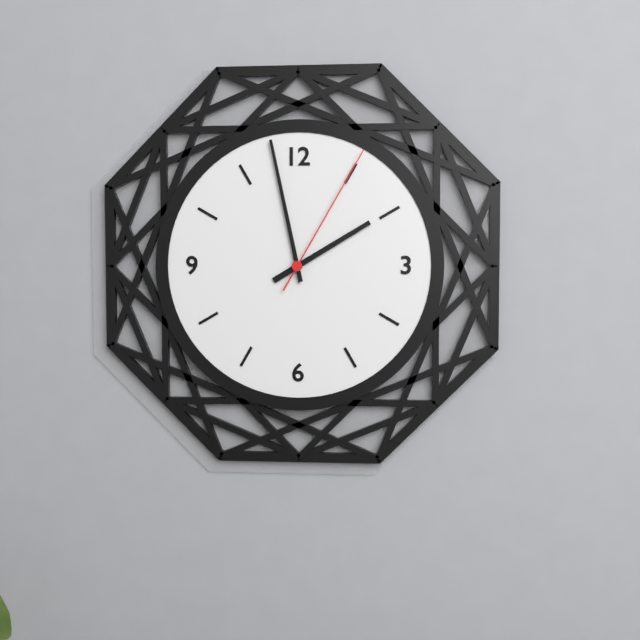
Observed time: 1:58:05
